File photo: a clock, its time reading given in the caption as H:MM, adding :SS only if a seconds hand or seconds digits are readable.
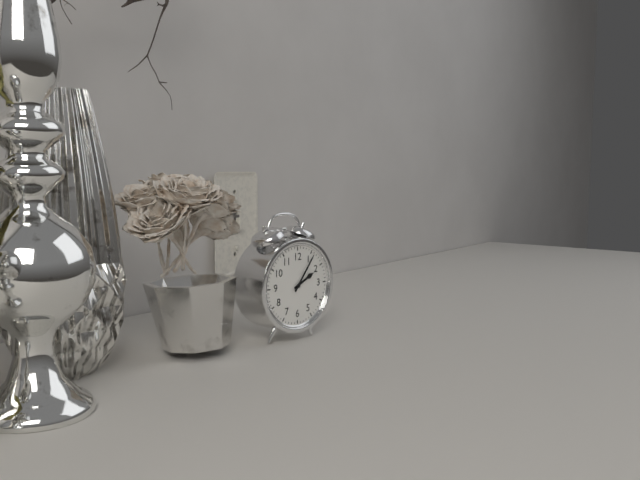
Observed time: 2:06
